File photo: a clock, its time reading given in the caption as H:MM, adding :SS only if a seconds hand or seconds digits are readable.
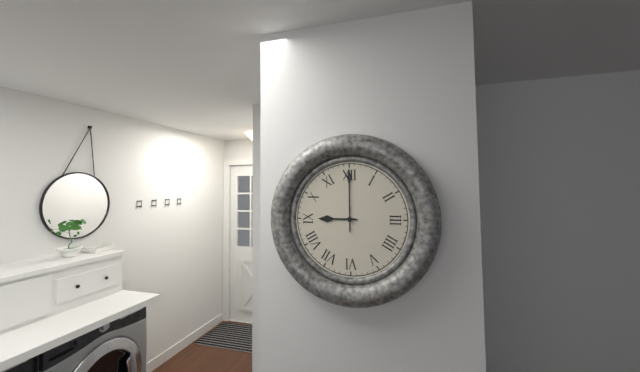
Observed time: 9:00
